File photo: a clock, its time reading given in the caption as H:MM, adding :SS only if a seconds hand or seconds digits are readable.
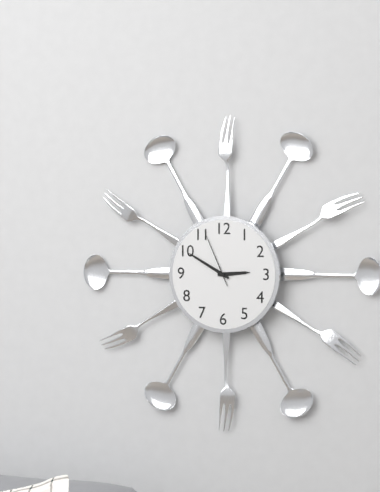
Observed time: 2:50:56
